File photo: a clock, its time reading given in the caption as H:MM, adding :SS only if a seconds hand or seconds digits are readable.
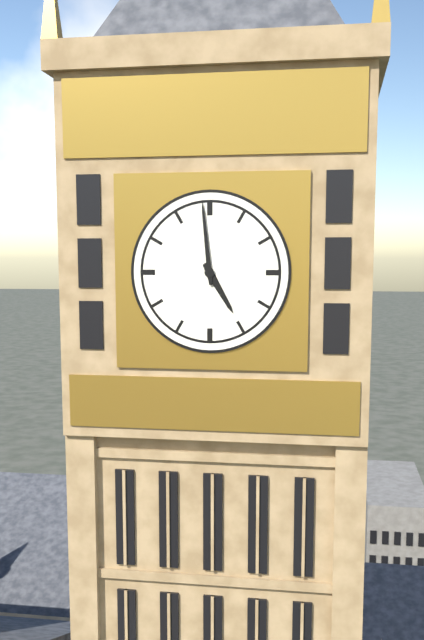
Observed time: 4:59
